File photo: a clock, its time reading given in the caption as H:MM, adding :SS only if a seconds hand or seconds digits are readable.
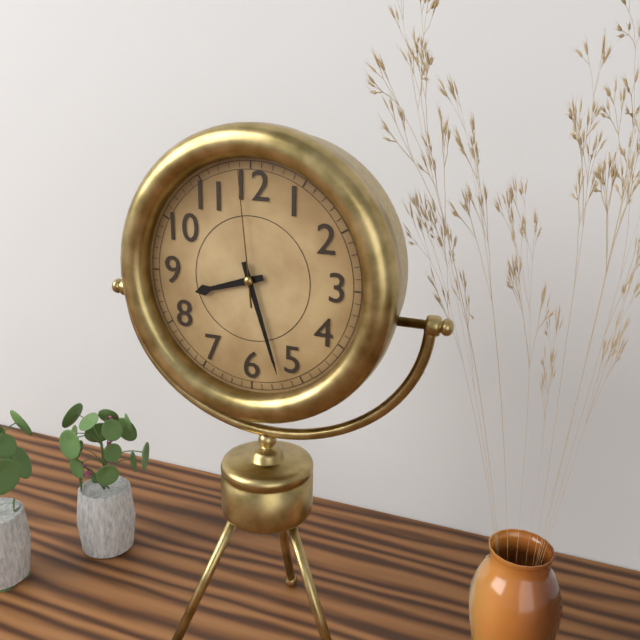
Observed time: 8:27:59
